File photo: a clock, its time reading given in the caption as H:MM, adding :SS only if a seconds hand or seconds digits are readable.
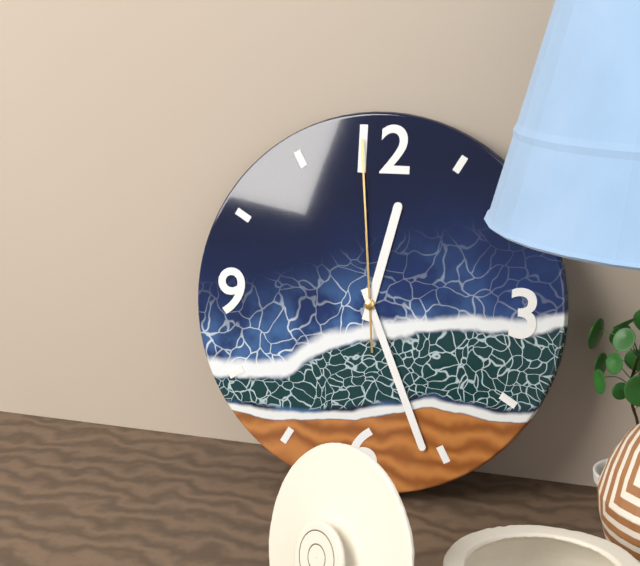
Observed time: 12:26:59
